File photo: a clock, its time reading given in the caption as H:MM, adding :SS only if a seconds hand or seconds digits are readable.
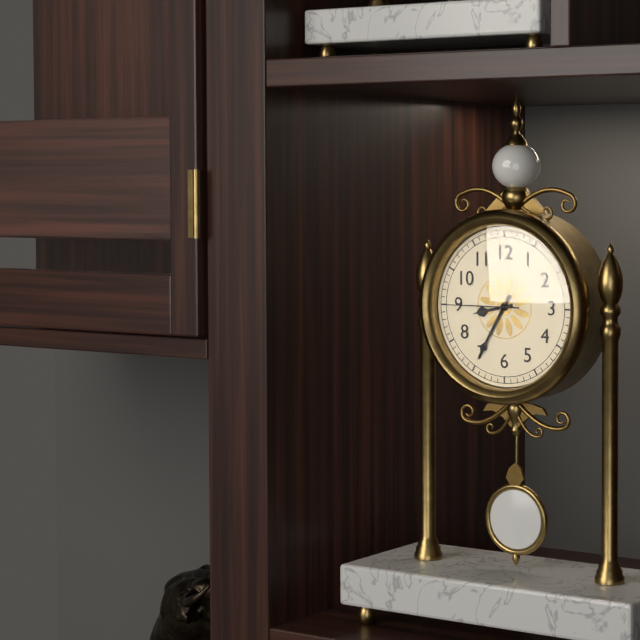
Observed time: 8:35:45
